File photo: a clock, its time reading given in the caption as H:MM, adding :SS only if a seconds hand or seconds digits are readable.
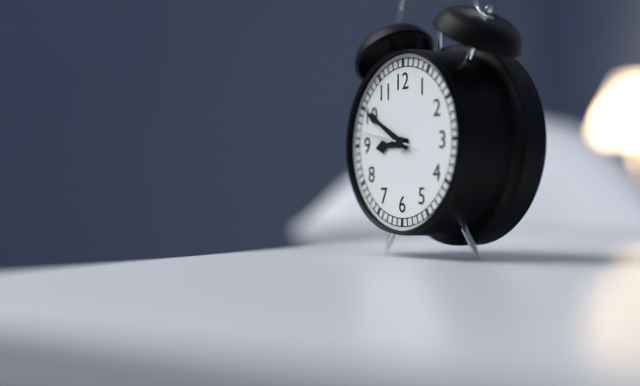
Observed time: 8:50:47
